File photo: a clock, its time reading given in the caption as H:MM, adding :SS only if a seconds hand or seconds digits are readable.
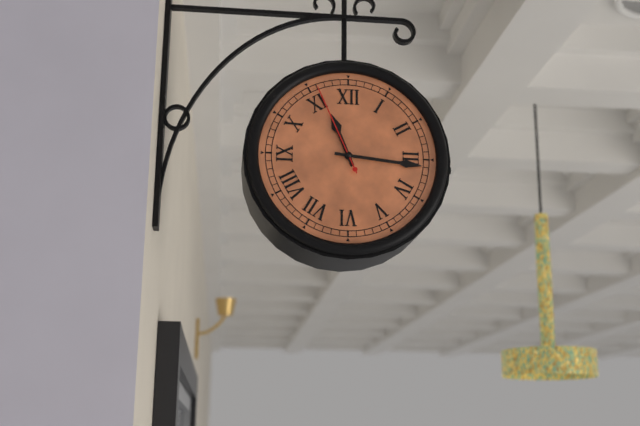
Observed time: 11:16:56
